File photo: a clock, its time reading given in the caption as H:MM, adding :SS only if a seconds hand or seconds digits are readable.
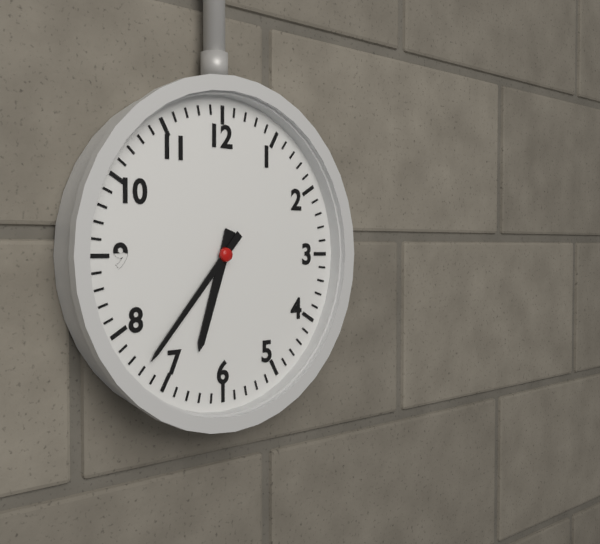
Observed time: 6:37
